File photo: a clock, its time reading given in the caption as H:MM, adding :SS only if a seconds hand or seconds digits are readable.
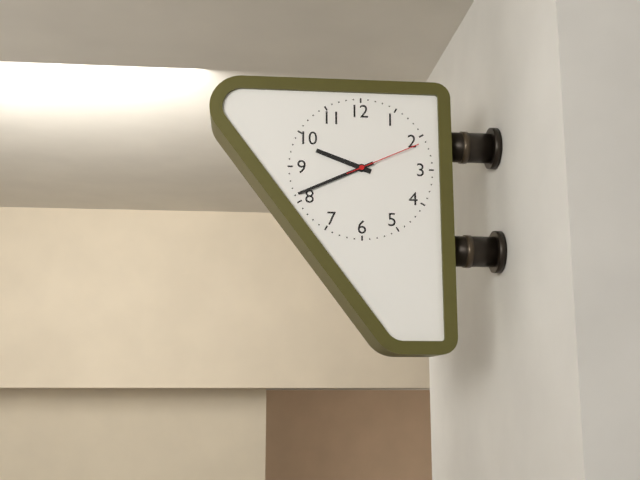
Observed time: 9:41:11
